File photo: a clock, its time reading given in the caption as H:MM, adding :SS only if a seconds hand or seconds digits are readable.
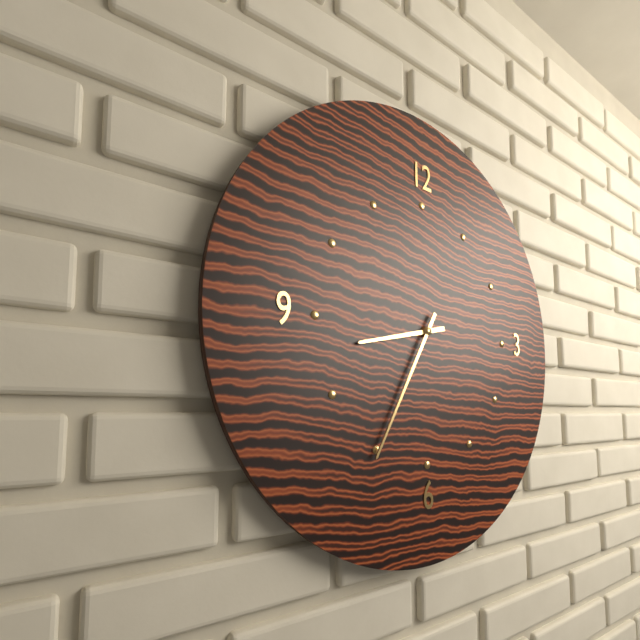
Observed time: 8:35
